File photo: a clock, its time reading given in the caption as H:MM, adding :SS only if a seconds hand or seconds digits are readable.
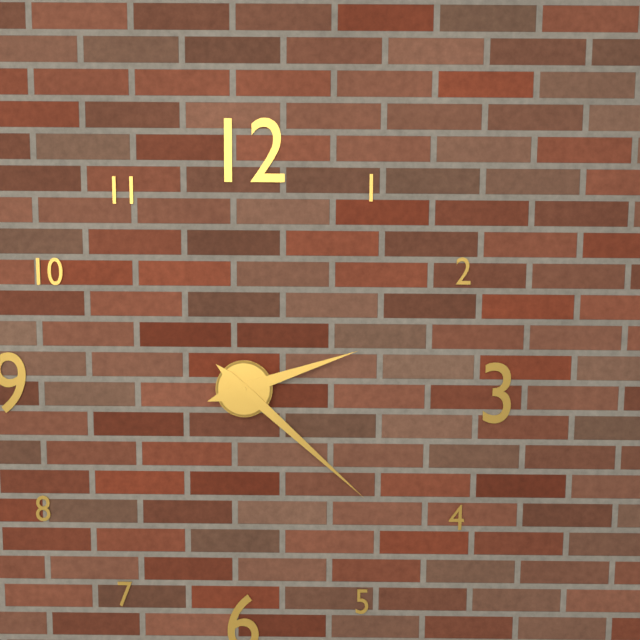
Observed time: 2:22
